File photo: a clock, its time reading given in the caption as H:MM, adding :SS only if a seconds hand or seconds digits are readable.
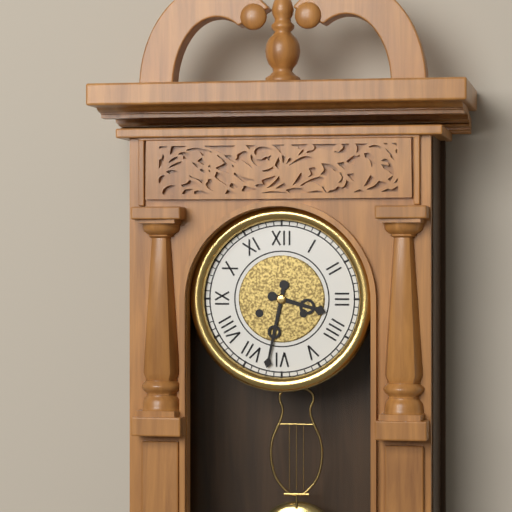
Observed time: 3:32
